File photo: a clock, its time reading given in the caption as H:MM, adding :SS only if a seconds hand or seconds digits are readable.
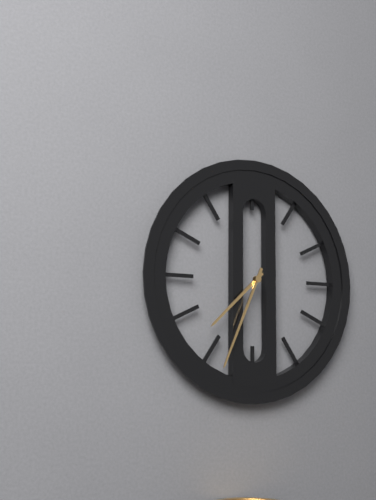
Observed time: 7:34
